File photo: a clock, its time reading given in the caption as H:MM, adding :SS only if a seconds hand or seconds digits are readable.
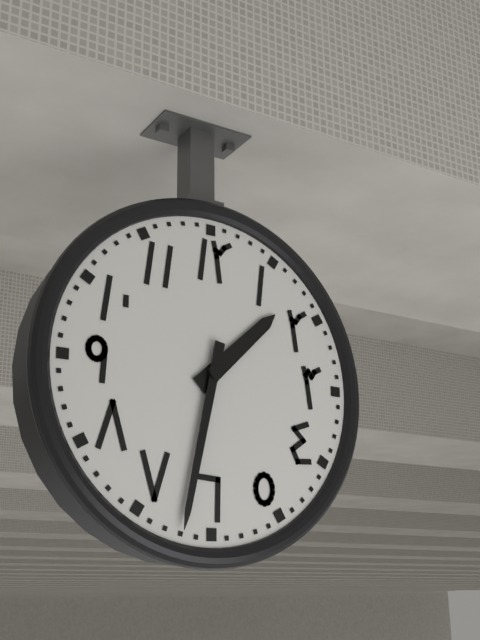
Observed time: 1:32
